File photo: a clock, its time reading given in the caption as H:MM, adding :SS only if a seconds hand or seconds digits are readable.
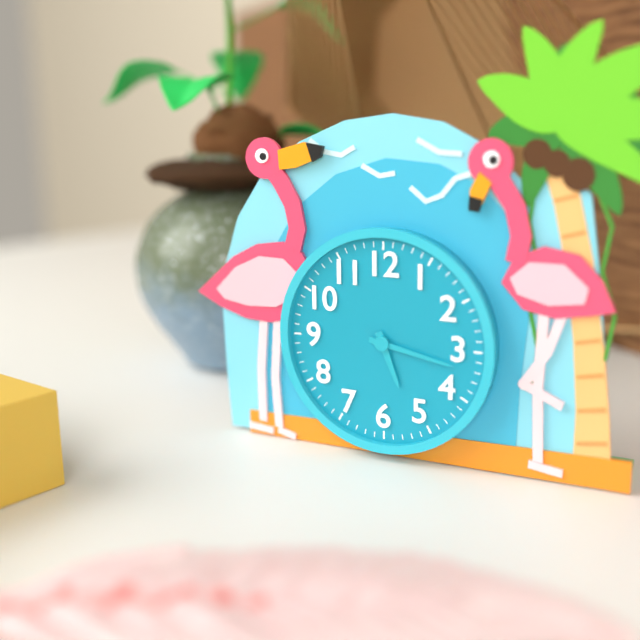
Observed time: 5:17
